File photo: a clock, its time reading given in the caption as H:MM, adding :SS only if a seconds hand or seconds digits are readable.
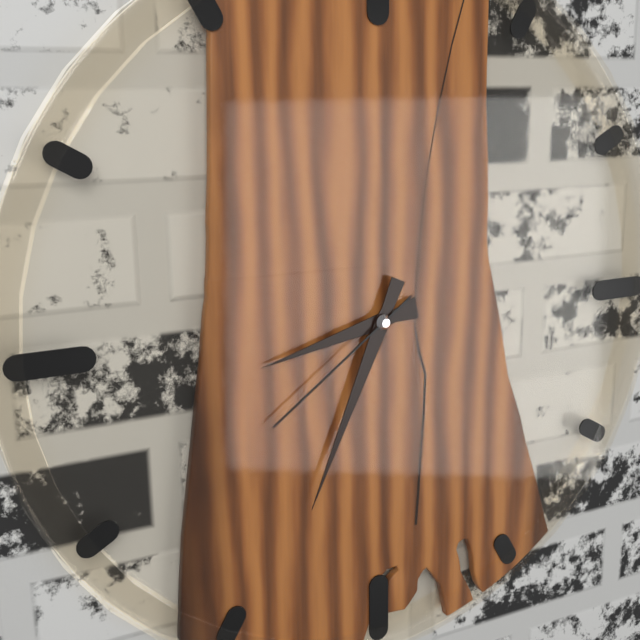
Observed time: 8:34:39
